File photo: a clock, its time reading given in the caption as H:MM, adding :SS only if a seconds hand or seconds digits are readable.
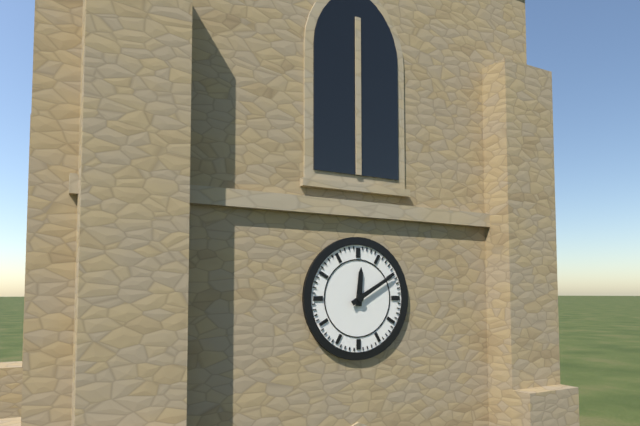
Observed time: 12:10
